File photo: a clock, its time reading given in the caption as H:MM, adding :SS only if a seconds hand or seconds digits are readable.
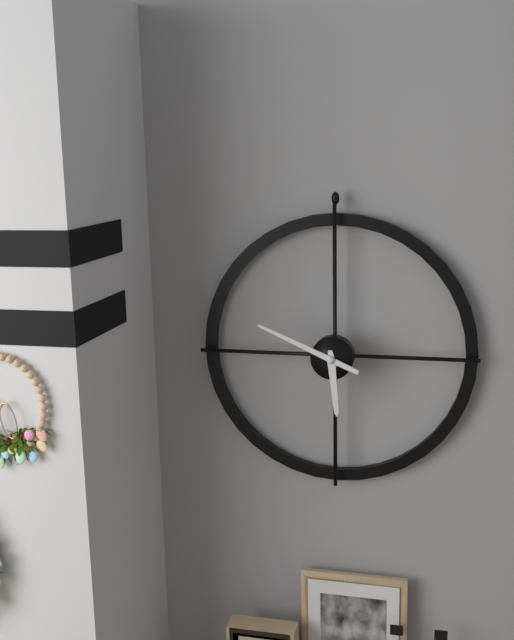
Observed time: 5:49
